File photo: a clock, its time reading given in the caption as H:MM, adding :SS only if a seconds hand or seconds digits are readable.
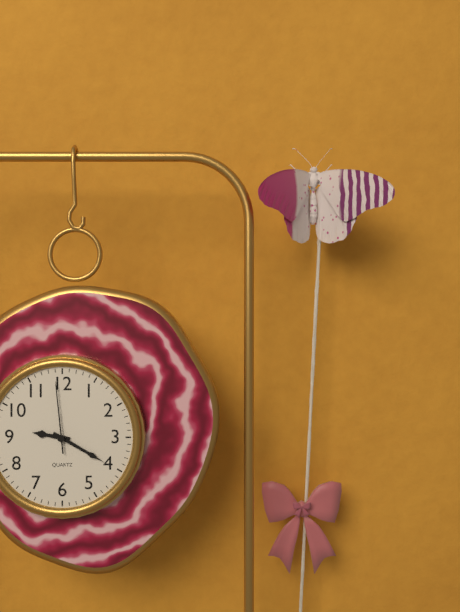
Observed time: 9:20:59
